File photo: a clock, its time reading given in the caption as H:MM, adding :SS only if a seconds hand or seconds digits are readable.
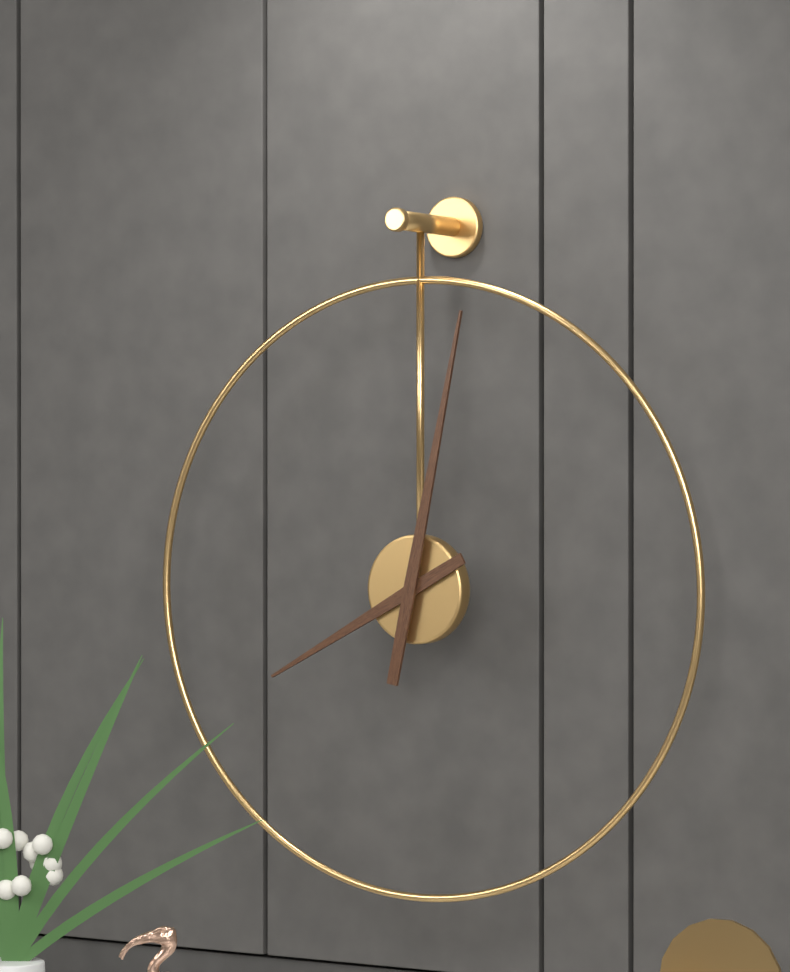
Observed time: 8:02
